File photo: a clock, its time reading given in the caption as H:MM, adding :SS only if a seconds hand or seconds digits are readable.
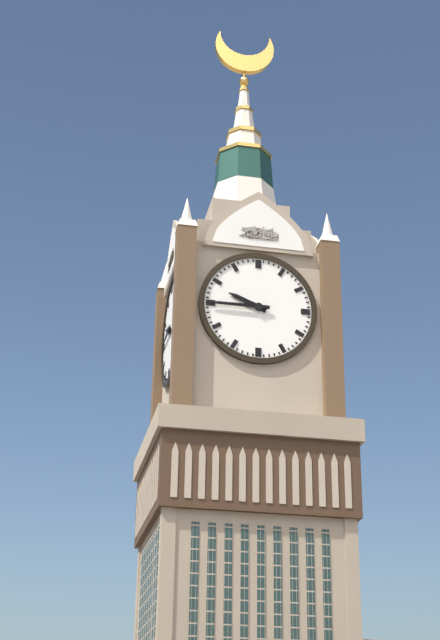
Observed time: 9:45
